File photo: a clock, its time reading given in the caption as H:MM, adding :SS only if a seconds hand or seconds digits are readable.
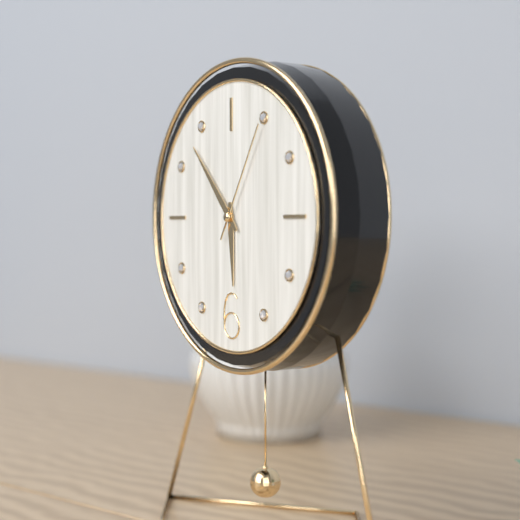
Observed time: 5:53:05
